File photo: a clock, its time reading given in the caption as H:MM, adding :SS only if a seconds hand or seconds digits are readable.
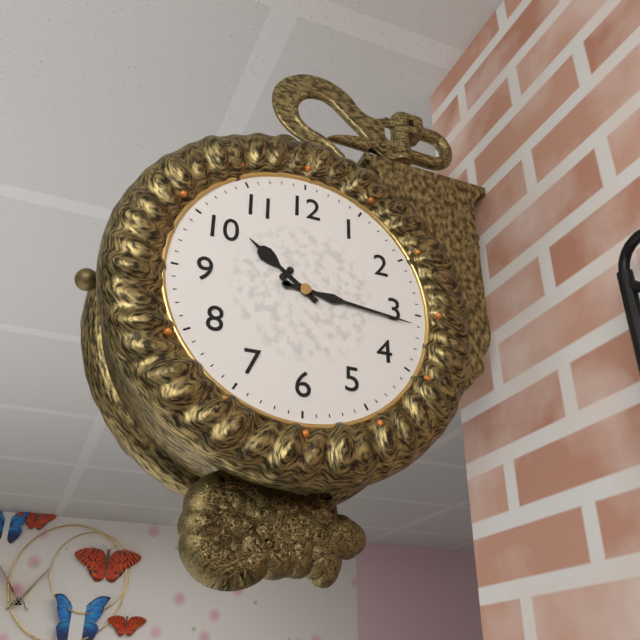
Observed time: 10:16
